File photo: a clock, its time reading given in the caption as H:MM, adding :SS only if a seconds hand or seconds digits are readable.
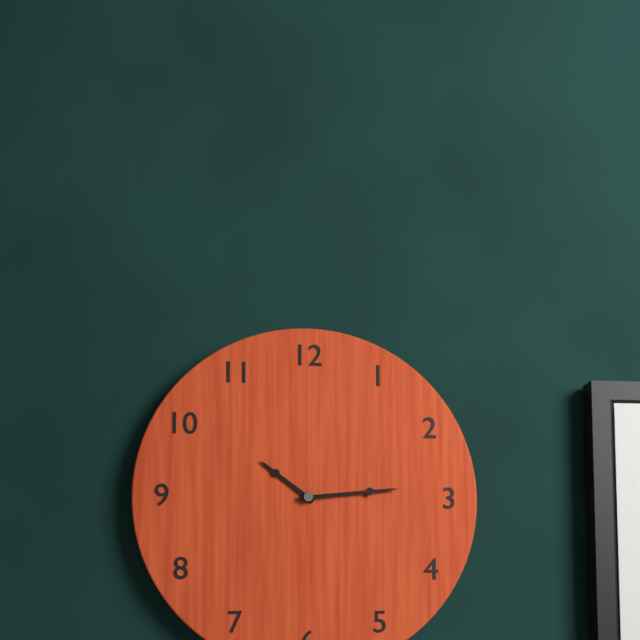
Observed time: 10:14
